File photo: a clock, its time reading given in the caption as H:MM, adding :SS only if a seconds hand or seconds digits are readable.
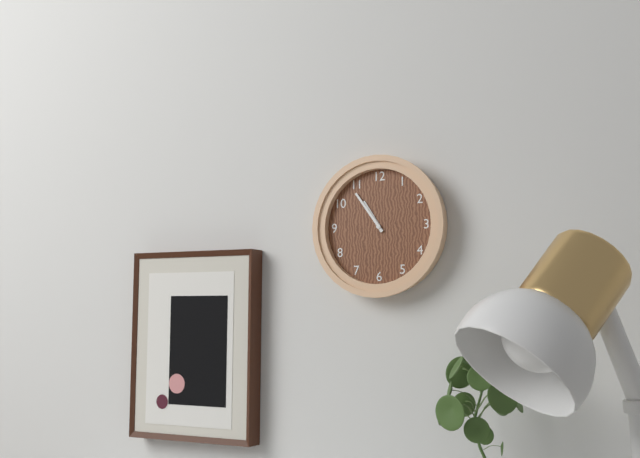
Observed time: 10:54
